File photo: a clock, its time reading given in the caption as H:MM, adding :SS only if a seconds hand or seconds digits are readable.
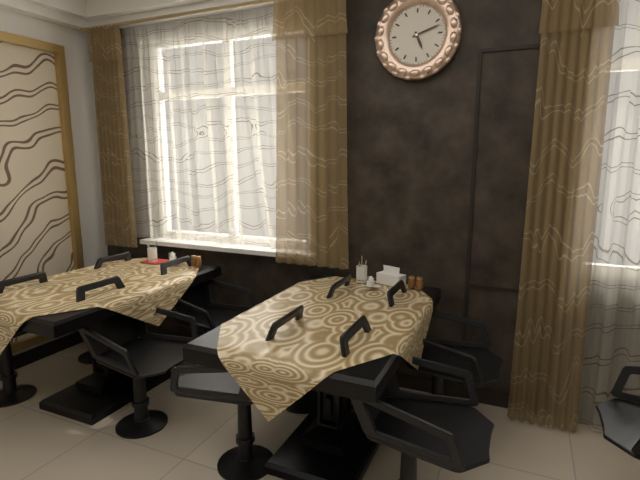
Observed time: 5:12
